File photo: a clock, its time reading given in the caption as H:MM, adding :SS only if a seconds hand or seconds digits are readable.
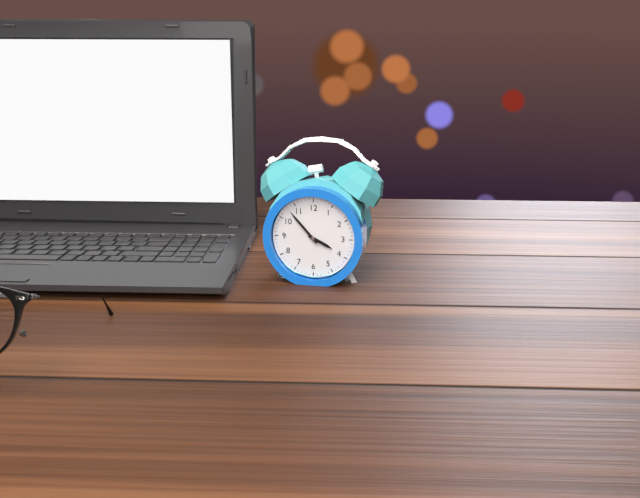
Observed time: 3:53
